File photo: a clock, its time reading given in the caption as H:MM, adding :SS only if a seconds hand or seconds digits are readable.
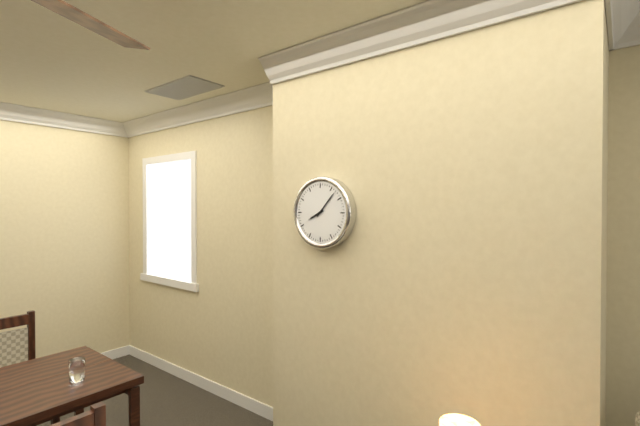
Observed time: 8:07
